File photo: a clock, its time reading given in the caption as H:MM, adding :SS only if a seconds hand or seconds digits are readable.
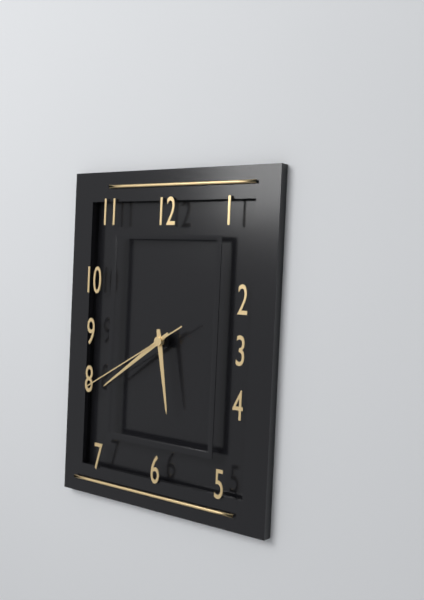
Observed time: 5:39:40
